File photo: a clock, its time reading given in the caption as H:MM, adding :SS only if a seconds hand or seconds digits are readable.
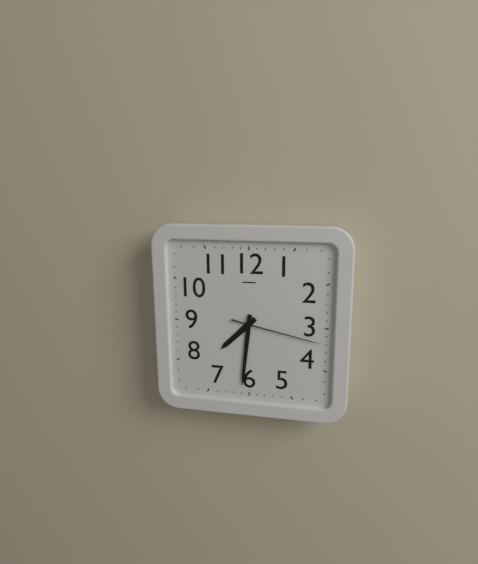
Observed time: 7:31:17
